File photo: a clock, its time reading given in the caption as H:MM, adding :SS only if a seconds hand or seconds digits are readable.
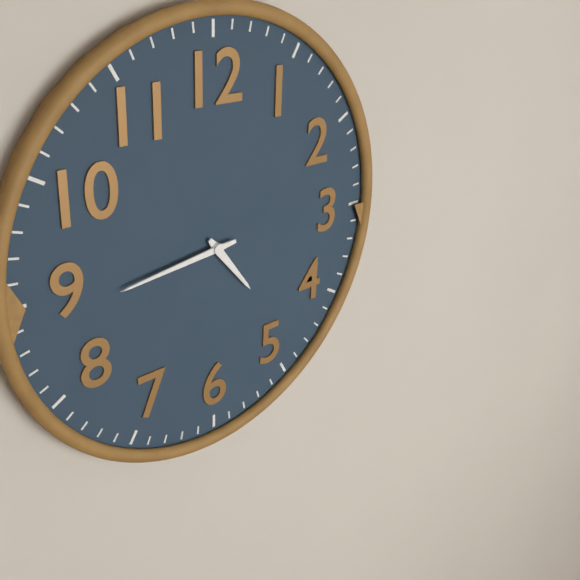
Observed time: 4:44
